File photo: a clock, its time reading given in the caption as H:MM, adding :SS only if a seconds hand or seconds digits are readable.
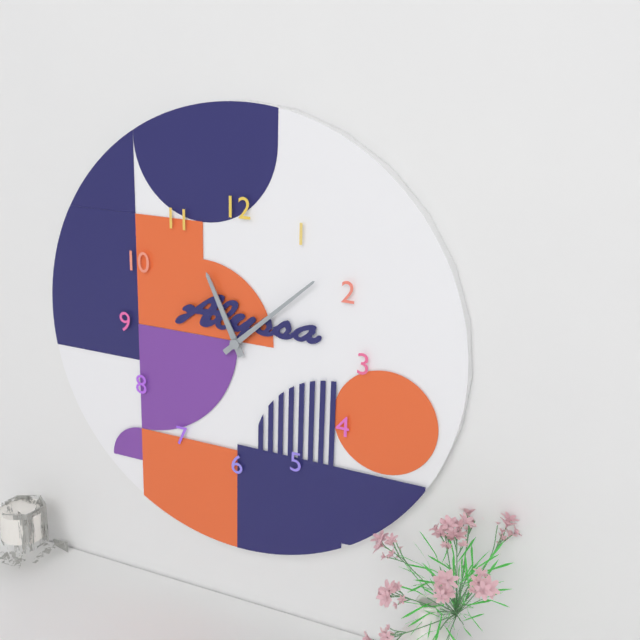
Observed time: 11:08
